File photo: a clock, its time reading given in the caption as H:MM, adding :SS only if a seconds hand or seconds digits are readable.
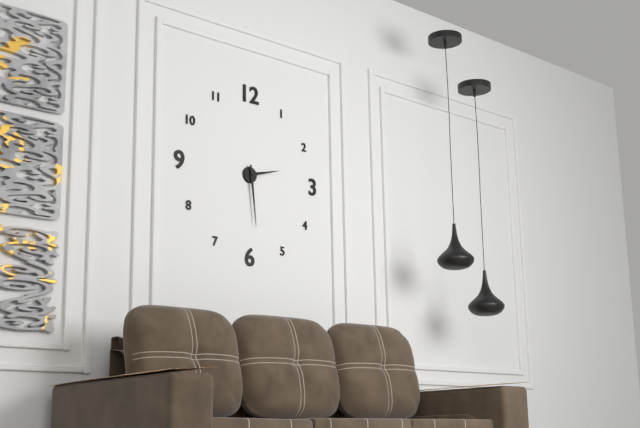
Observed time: 2:29
